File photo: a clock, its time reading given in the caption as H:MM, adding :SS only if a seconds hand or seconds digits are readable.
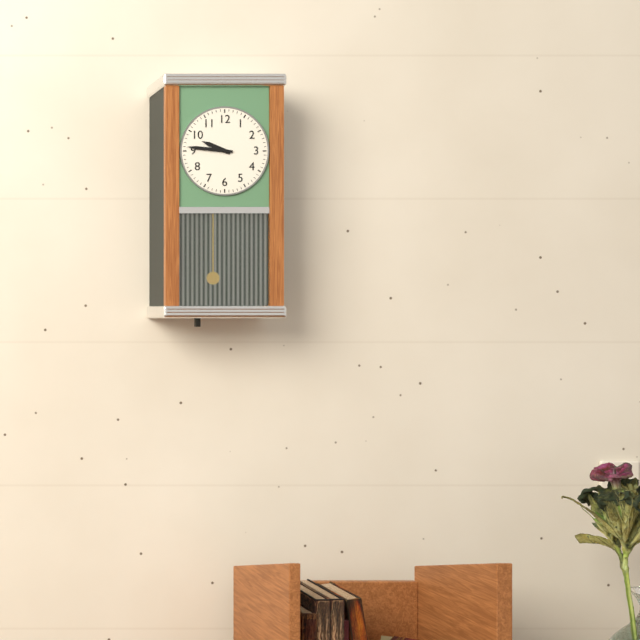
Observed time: 9:46
